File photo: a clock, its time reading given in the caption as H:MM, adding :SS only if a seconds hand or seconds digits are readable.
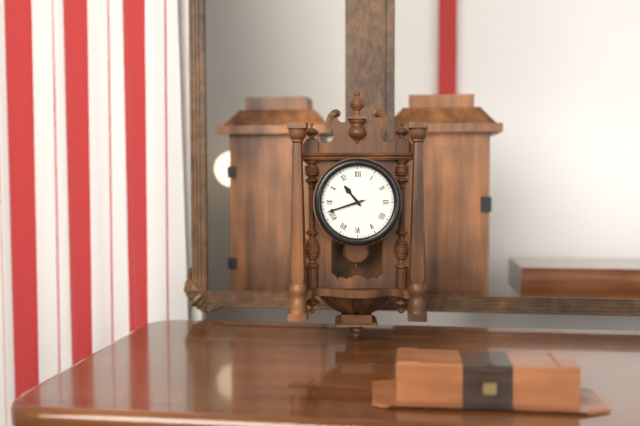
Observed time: 10:42
